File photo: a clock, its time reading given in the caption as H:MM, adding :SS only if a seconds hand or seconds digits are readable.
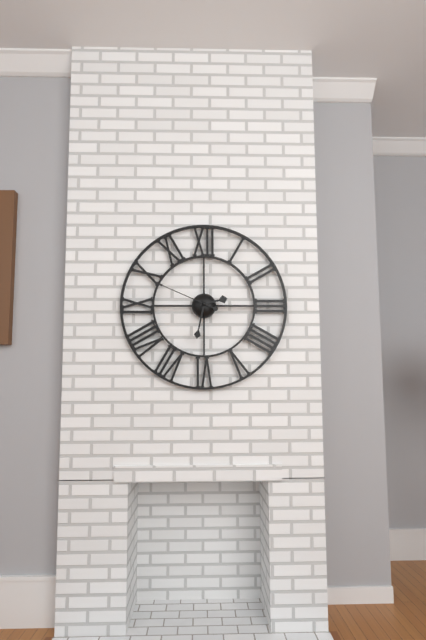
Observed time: 2:32:49
